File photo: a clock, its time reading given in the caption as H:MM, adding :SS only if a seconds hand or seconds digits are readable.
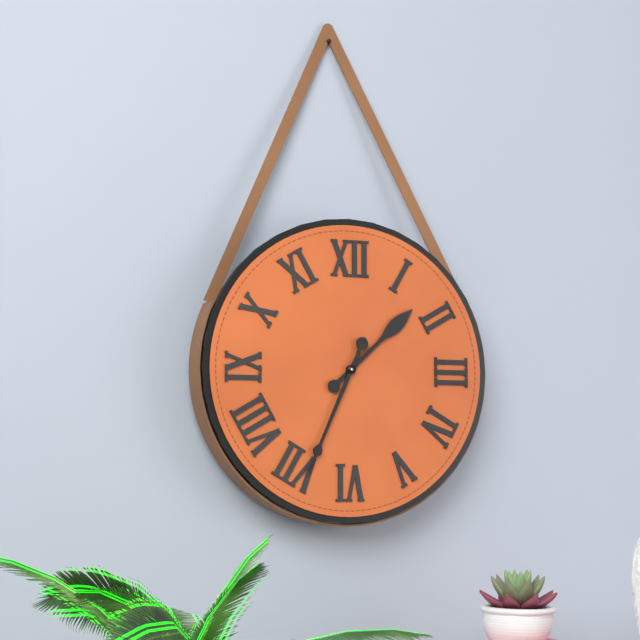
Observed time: 1:34
